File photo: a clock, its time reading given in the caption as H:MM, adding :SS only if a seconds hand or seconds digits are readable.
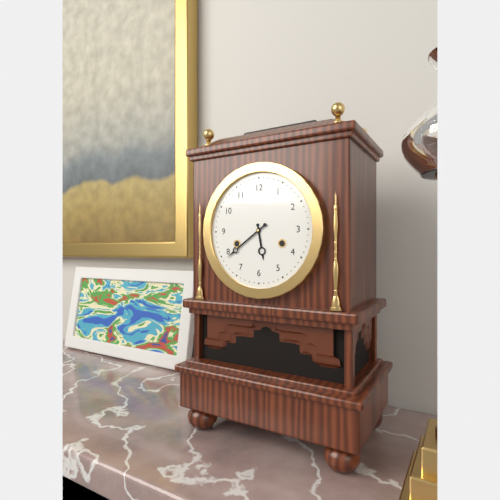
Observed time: 5:39
